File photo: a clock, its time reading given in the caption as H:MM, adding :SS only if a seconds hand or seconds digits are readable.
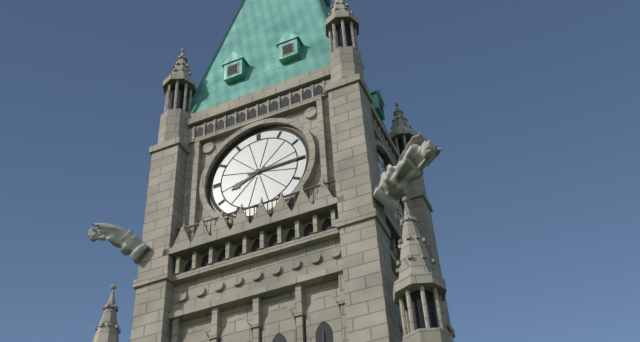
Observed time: 8:15
